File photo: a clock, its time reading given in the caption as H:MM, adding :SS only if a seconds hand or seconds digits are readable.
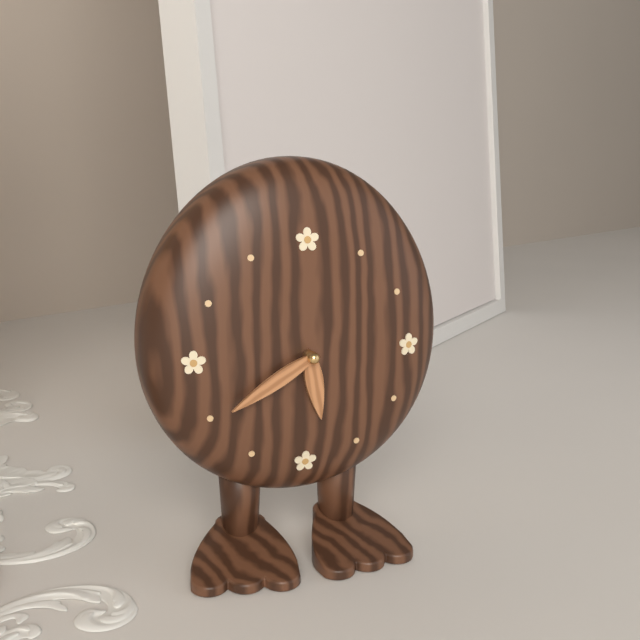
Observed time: 5:40
